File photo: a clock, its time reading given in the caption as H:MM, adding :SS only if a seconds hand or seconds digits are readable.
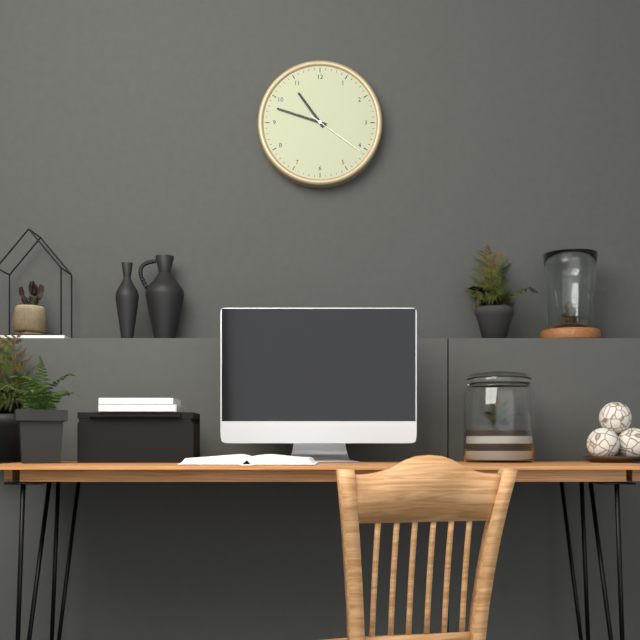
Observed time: 10:48:21
